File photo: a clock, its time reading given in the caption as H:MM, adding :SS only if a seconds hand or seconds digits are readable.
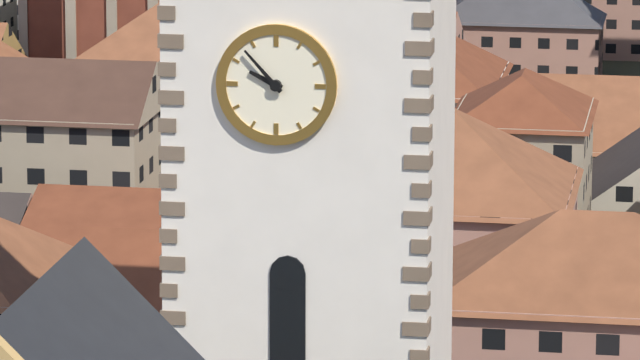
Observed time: 9:53
